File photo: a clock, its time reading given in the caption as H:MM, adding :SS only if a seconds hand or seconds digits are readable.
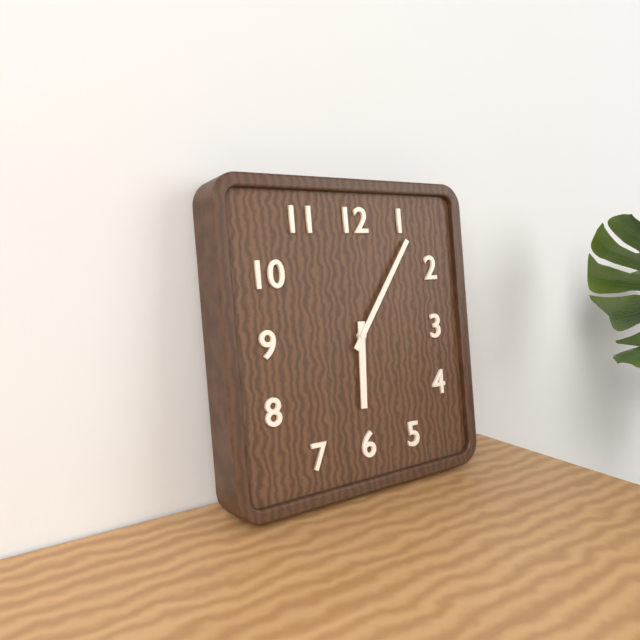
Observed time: 6:06
